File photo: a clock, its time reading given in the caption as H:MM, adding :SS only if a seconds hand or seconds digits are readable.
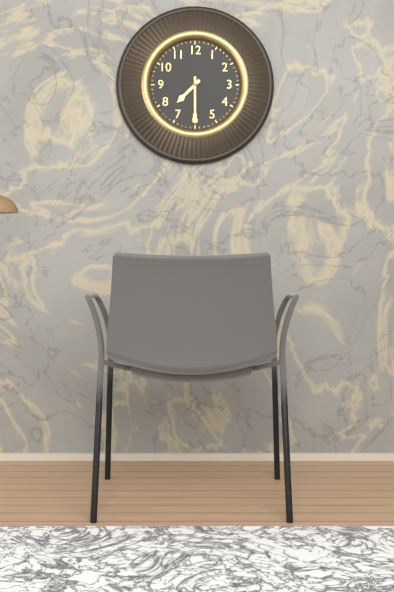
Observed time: 7:30
